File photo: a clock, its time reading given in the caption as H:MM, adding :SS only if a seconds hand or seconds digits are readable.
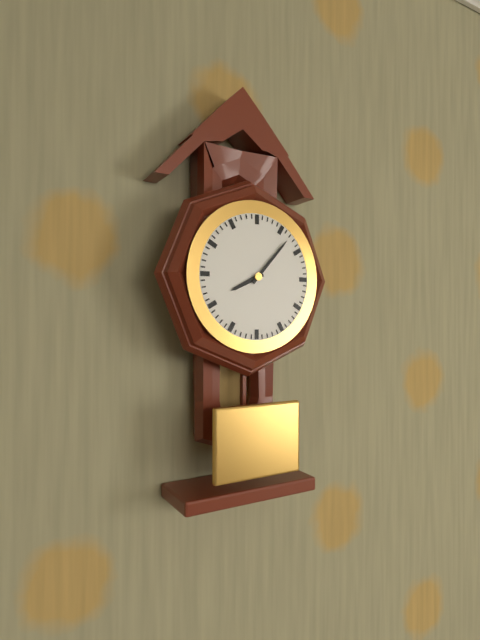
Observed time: 8:07
